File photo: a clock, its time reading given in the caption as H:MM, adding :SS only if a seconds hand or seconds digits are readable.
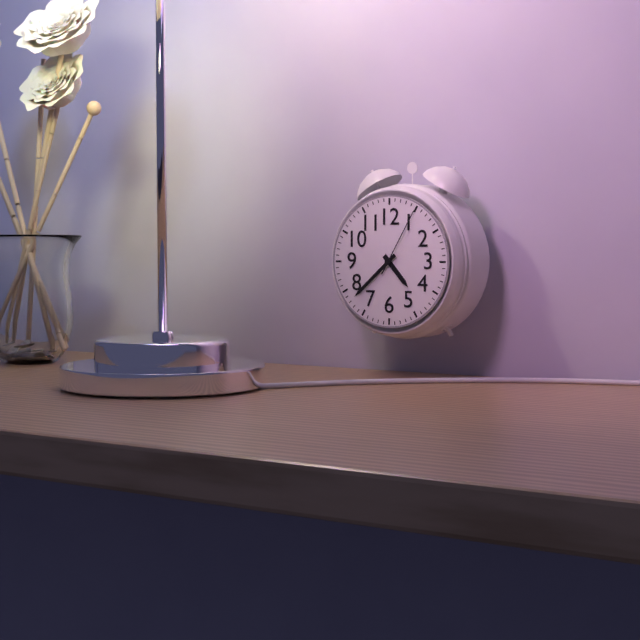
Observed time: 4:38:05
